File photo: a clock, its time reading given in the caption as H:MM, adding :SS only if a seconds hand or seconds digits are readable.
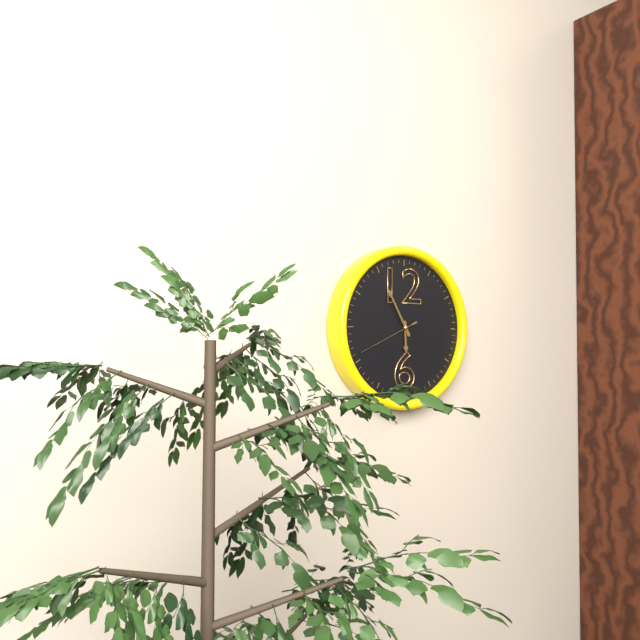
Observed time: 5:55:41
